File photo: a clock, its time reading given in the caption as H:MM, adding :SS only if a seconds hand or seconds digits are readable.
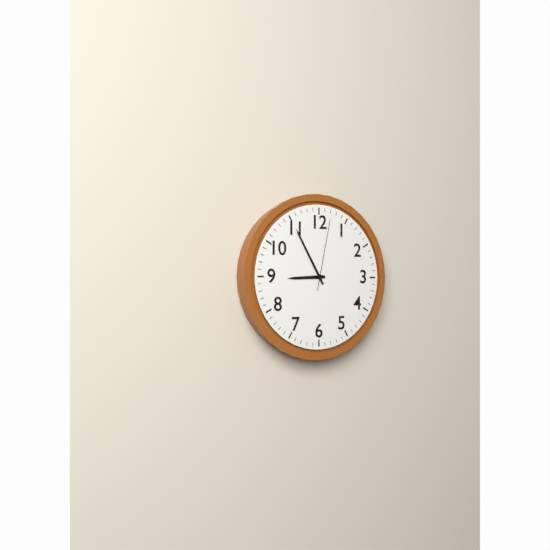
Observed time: 8:55:02
